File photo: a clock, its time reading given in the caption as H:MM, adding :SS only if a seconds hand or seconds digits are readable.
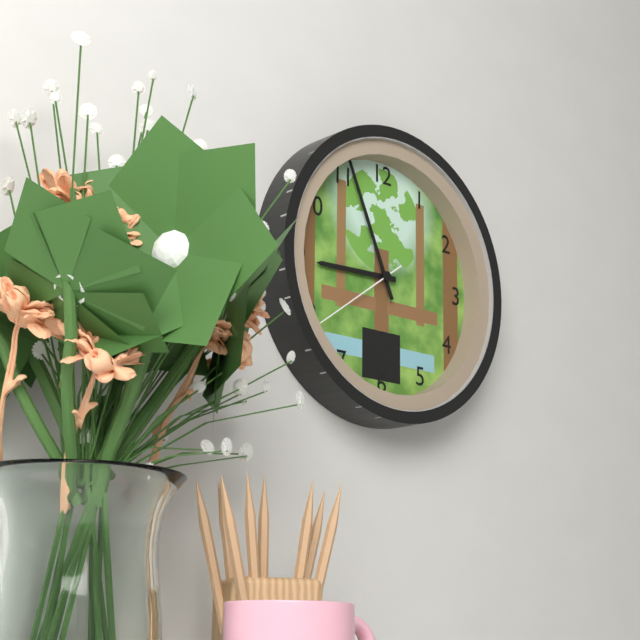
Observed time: 8:56:39
